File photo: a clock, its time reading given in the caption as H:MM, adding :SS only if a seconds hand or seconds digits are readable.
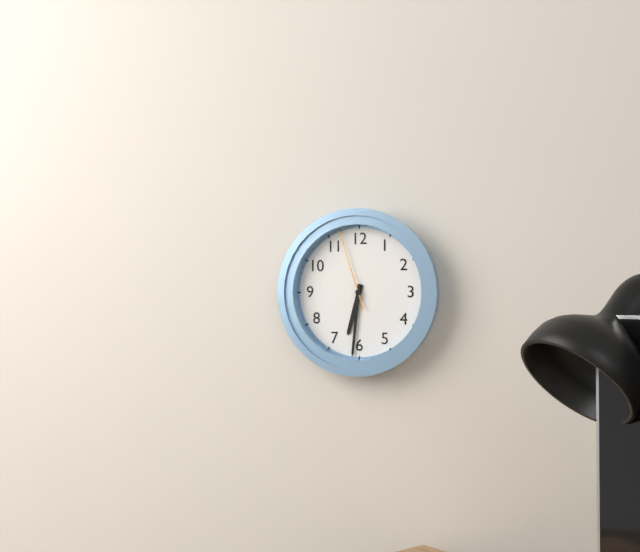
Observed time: 6:31:57
